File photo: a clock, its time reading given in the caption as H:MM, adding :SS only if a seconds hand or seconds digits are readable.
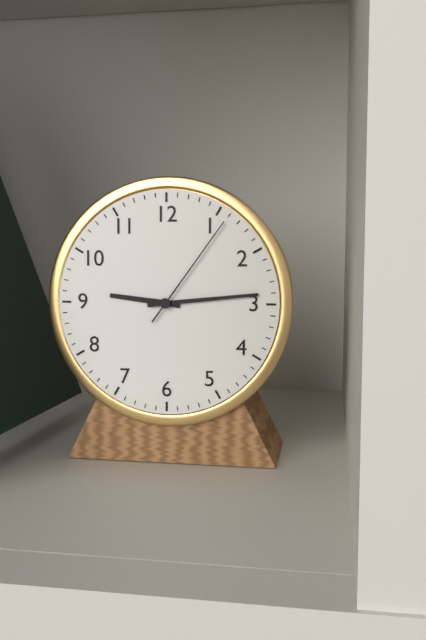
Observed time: 9:14:06
